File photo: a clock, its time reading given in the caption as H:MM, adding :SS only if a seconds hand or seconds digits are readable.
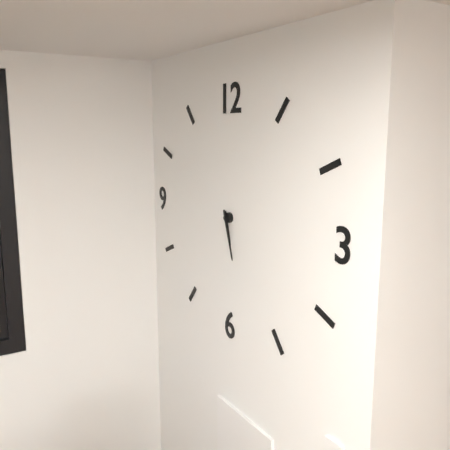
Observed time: 5:27
